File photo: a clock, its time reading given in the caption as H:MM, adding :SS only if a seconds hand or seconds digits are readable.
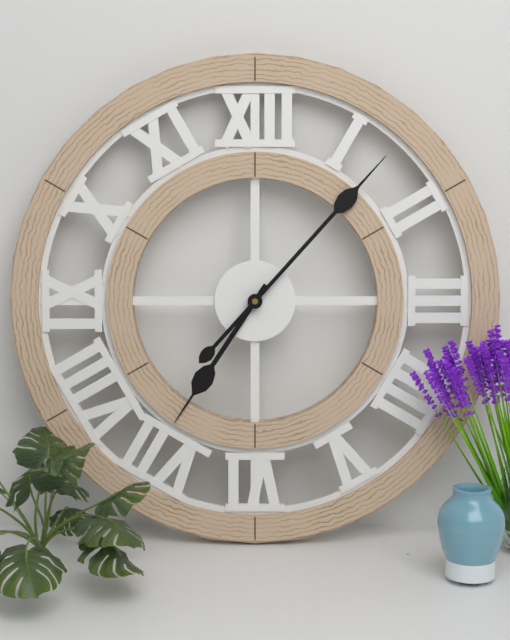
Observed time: 7:07
